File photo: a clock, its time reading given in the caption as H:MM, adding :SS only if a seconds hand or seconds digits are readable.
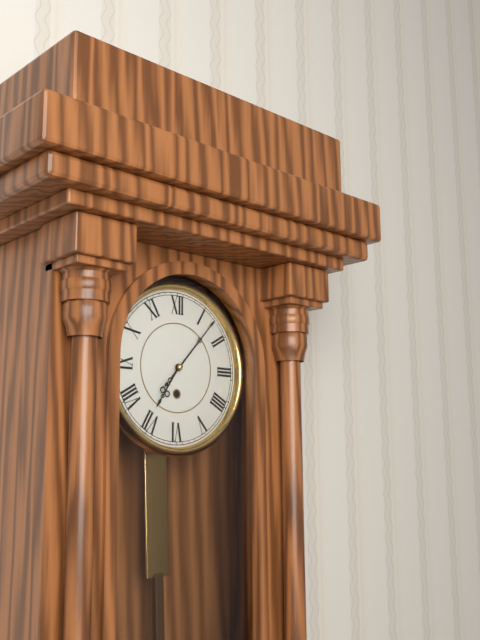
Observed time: 7:07
